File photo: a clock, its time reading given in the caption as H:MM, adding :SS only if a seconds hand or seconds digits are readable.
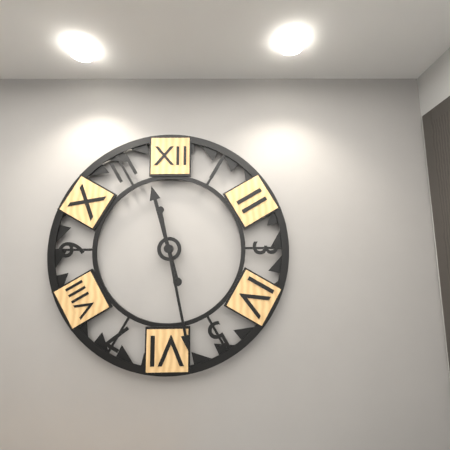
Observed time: 11:28
